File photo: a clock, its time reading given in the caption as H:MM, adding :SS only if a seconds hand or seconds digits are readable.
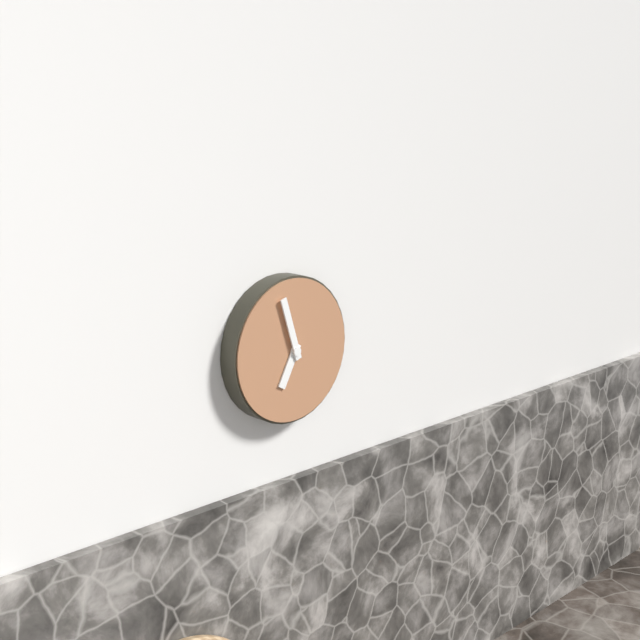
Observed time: 6:57
